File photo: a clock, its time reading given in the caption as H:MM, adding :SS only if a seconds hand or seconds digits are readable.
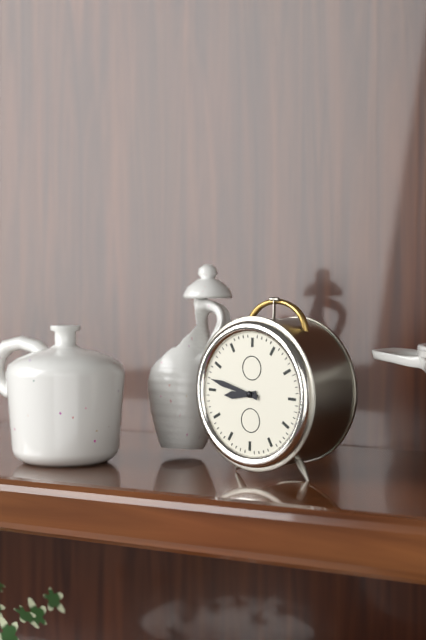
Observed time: 8:47
